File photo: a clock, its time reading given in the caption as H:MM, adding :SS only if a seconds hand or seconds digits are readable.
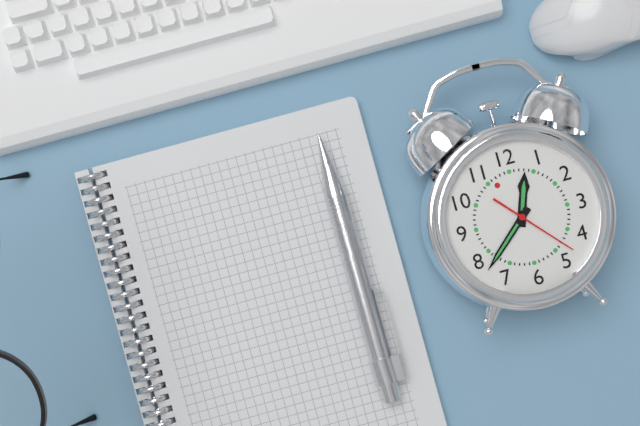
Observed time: 12:38:23
